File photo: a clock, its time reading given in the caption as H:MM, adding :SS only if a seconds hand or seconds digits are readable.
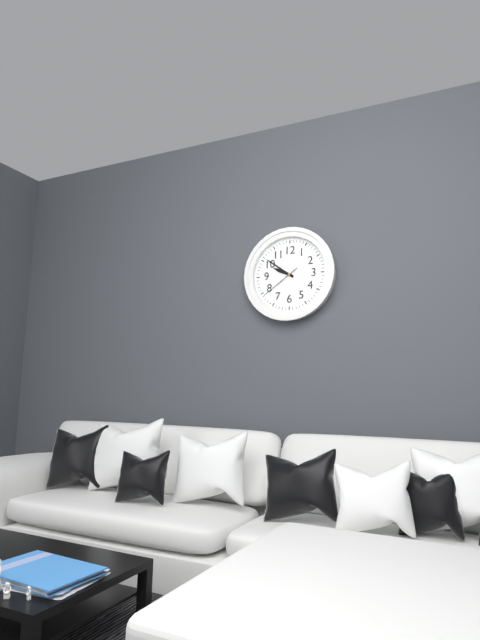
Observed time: 9:51
